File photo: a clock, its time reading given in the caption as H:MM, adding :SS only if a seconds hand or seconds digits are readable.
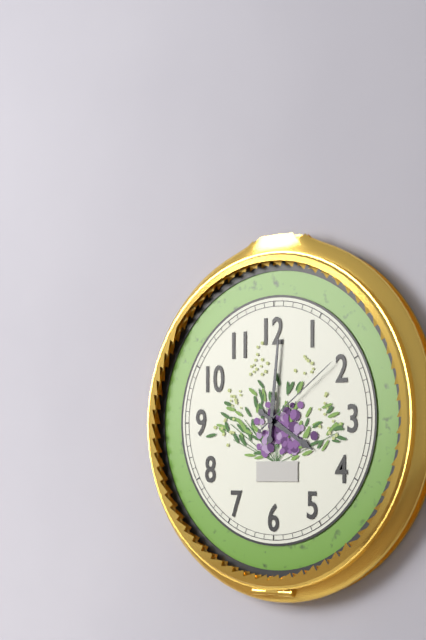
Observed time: 4:01:09
